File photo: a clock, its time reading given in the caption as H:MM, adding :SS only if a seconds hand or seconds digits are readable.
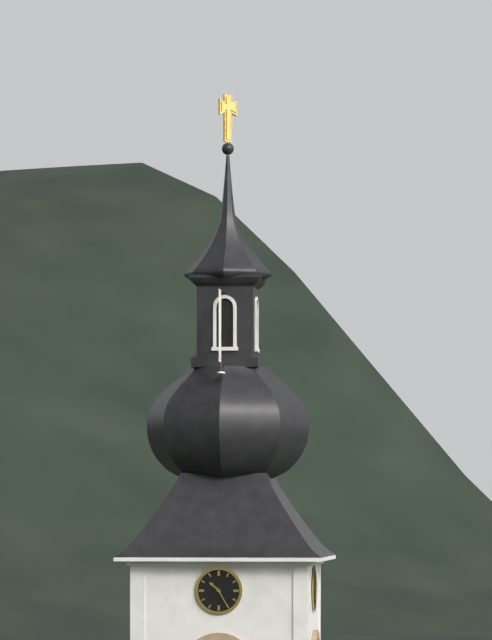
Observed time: 10:25
